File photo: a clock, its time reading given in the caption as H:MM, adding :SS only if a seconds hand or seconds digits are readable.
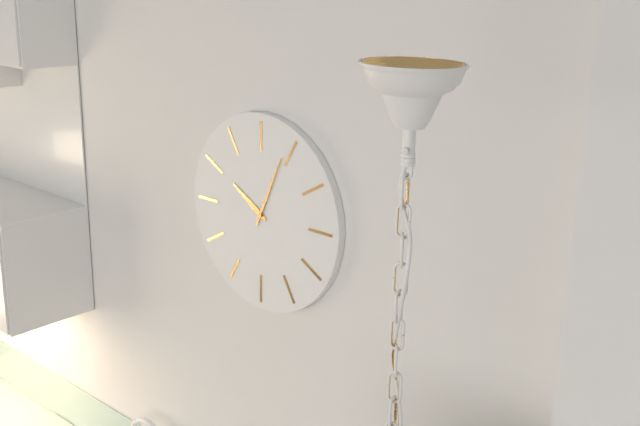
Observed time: 10:04
